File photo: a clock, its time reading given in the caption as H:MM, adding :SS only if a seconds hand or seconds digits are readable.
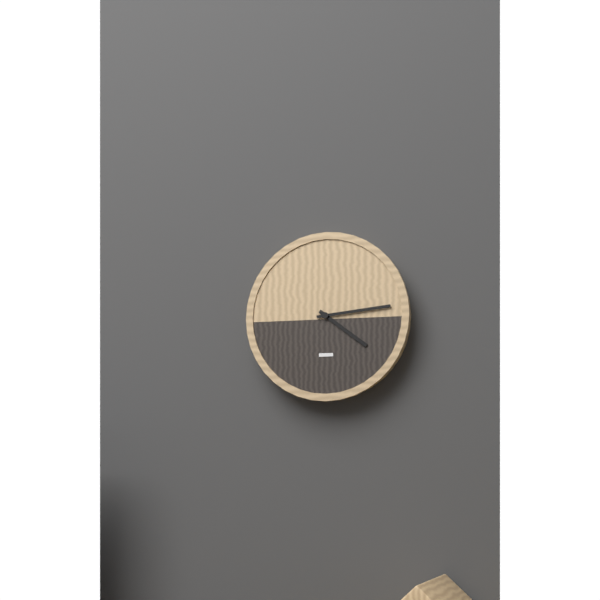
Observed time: 4:14
